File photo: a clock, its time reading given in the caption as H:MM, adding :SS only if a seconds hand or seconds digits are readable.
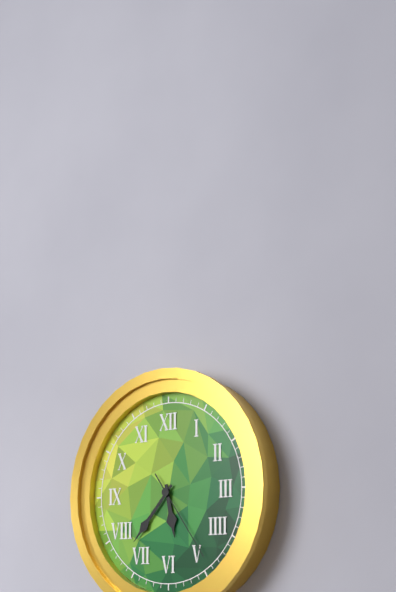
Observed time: 5:37:24
